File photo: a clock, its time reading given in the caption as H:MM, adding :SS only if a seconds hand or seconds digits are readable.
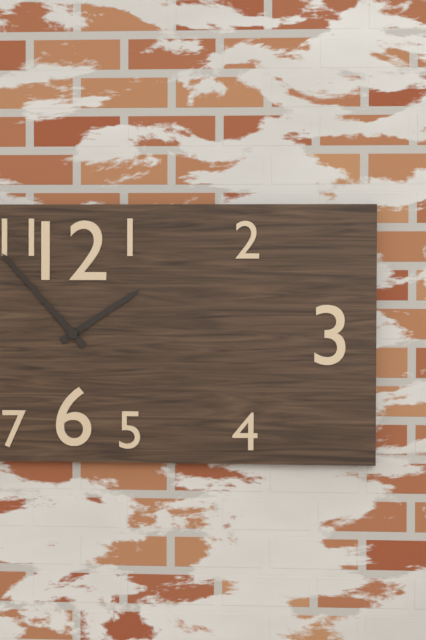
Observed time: 1:53
